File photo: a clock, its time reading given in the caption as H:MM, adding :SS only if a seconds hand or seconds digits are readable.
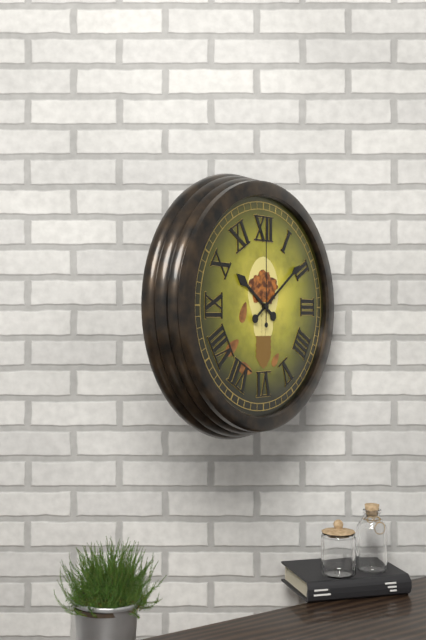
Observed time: 10:09:00
